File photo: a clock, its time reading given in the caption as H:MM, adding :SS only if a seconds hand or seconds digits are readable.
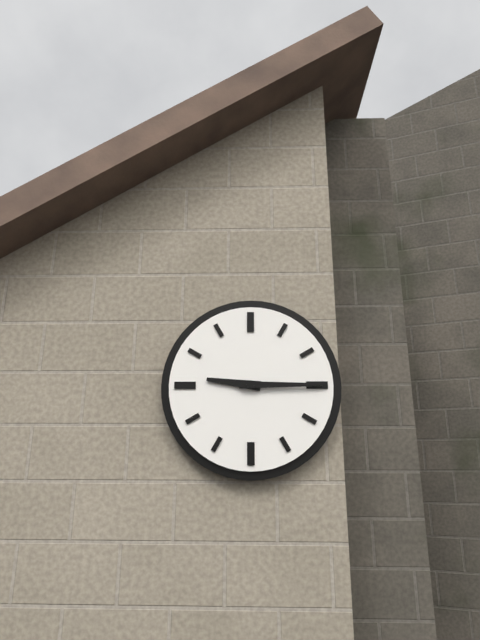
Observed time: 9:15
